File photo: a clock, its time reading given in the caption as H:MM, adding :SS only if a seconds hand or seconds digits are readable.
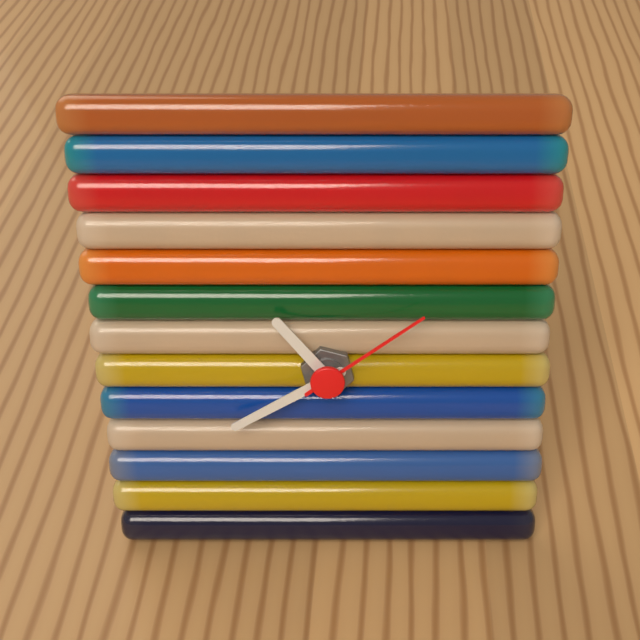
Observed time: 10:40:09
